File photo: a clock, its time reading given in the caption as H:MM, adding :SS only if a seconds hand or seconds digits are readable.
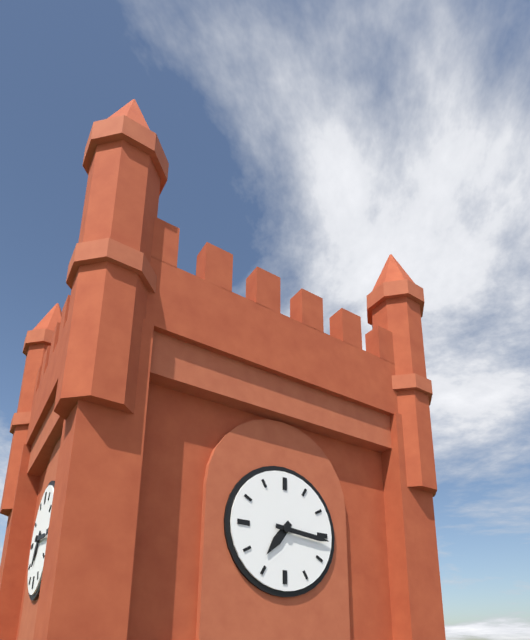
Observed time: 7:16
